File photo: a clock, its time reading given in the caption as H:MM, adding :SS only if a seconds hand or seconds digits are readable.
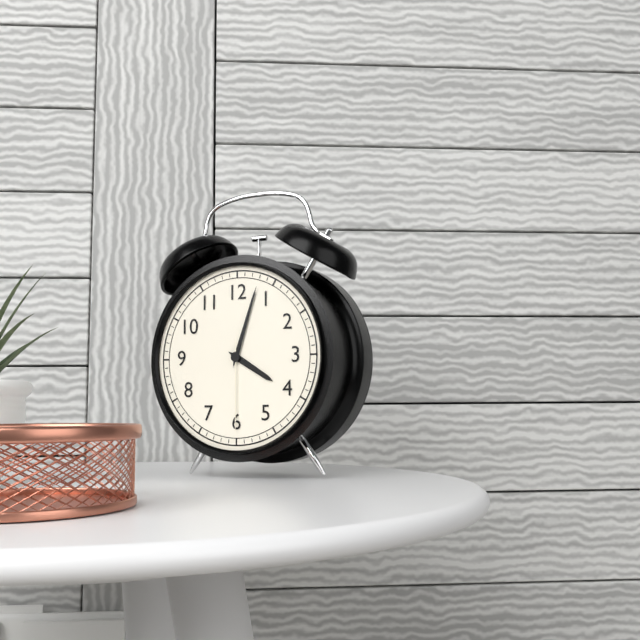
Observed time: 4:03:30
